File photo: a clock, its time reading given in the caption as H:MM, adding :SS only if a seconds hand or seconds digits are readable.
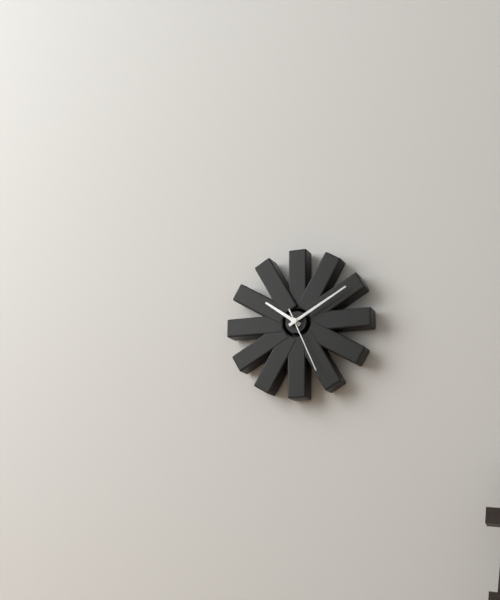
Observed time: 10:10:26
